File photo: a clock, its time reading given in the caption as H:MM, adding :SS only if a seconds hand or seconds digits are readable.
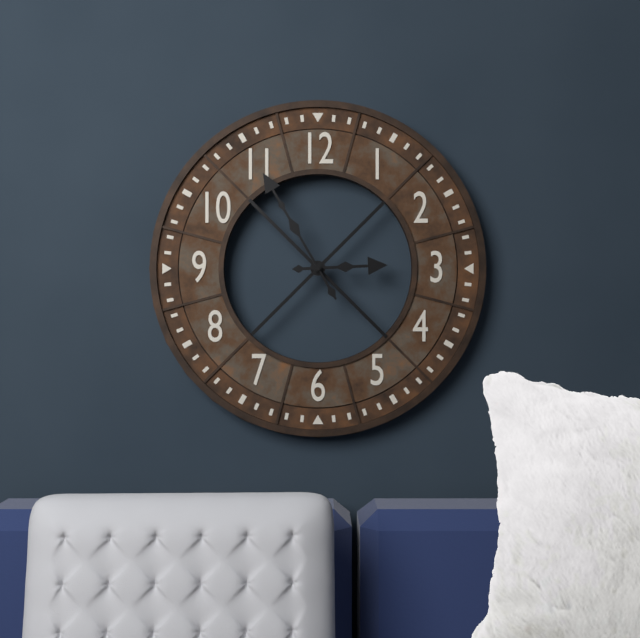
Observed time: 2:55
